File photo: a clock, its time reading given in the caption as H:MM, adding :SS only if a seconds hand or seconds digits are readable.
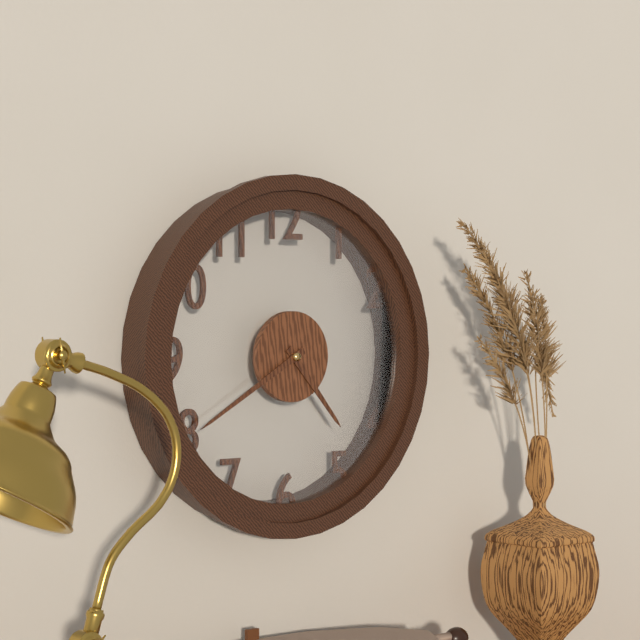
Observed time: 4:40
